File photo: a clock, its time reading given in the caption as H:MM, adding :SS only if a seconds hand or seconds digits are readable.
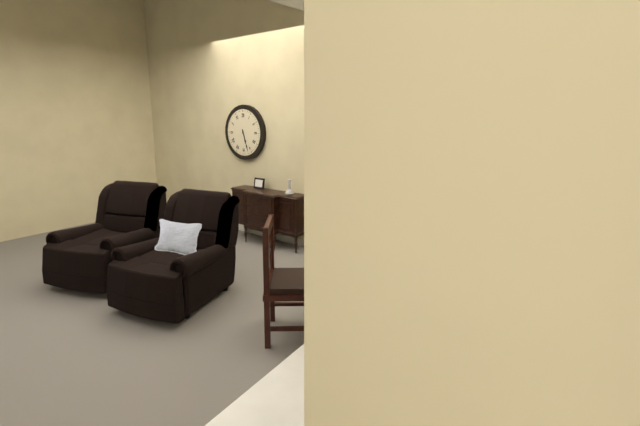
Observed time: 5:27
